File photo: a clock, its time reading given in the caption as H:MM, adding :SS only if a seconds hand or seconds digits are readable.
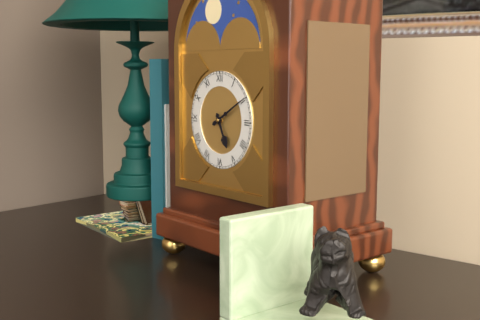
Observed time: 5:10
